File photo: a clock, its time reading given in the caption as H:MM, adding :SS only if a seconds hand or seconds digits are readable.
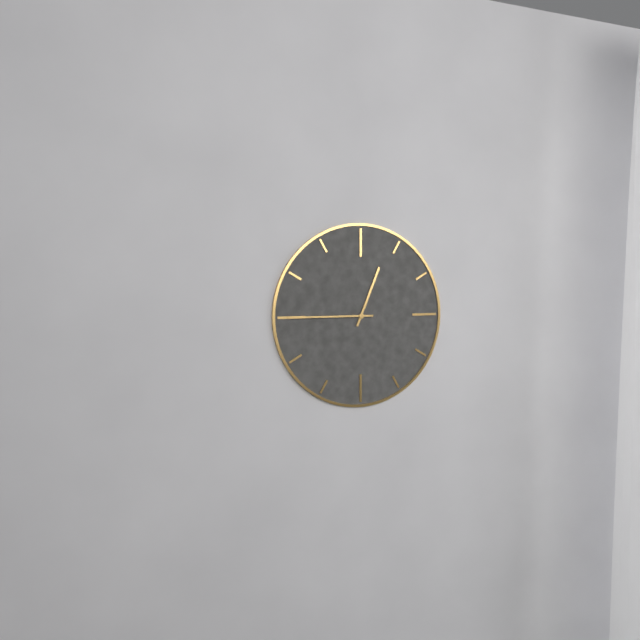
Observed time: 12:45
